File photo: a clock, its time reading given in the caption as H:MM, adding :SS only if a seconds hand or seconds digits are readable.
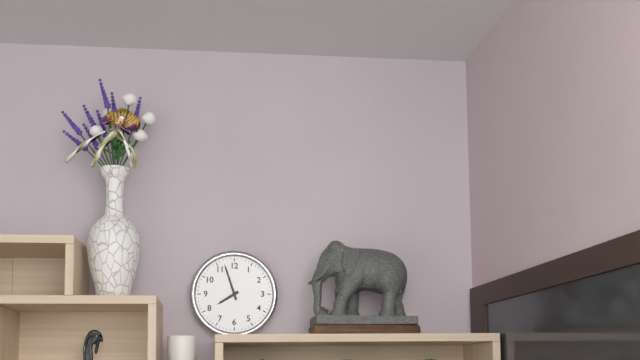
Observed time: 7:57
